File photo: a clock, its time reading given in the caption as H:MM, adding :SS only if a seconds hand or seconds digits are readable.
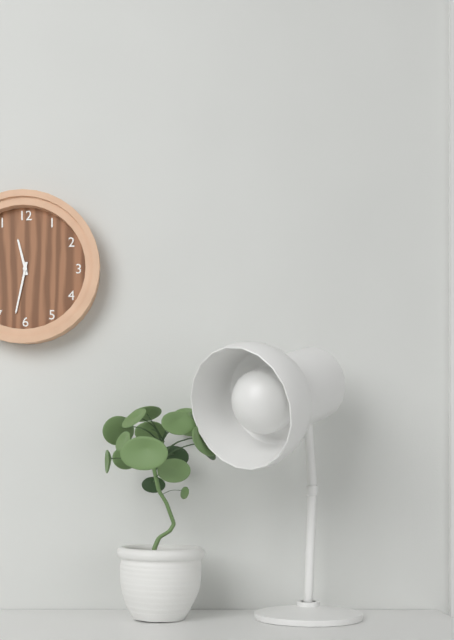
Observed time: 11:32
